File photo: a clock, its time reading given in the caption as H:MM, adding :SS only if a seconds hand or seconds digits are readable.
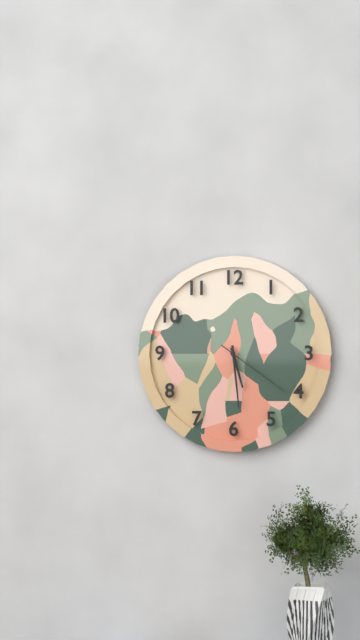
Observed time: 5:29:21
